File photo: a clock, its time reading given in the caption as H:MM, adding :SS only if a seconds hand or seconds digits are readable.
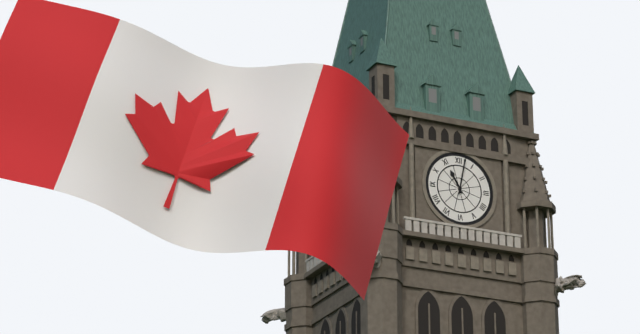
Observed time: 11:02
